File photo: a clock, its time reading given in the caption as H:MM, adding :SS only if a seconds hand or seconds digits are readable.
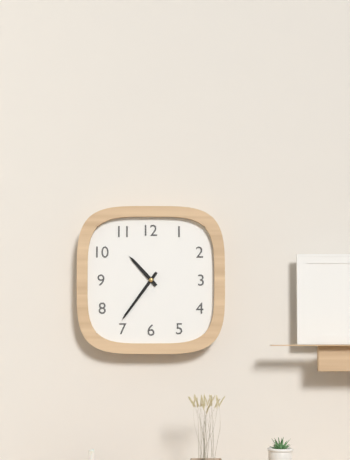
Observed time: 10:36
